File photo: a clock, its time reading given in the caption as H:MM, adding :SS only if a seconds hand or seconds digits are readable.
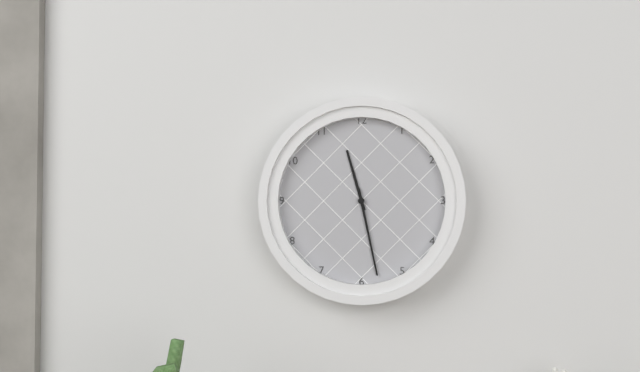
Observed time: 11:28
